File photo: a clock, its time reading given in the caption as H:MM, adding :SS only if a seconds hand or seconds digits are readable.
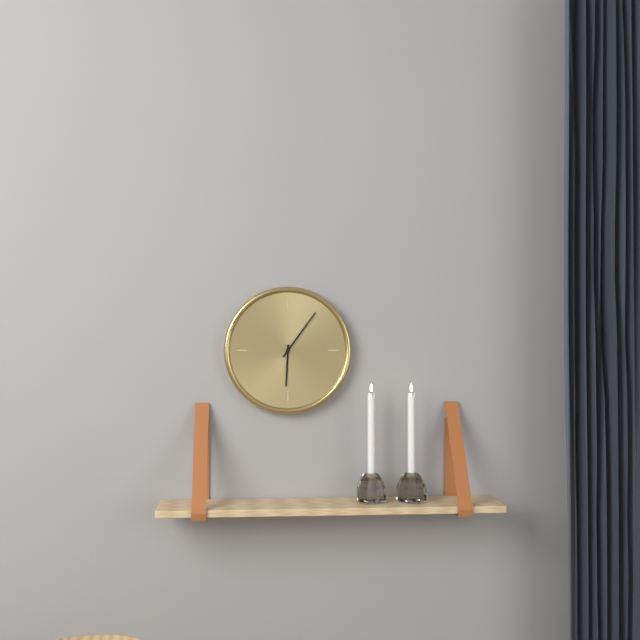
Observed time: 6:06
